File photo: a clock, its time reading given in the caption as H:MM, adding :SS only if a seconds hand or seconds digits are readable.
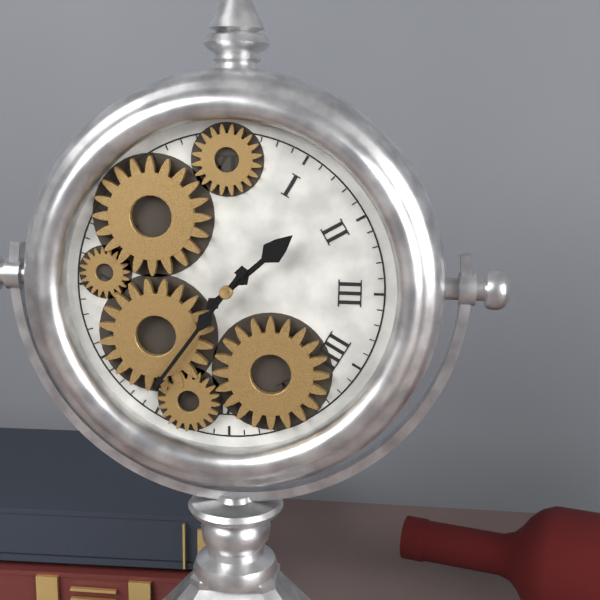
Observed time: 1:36
